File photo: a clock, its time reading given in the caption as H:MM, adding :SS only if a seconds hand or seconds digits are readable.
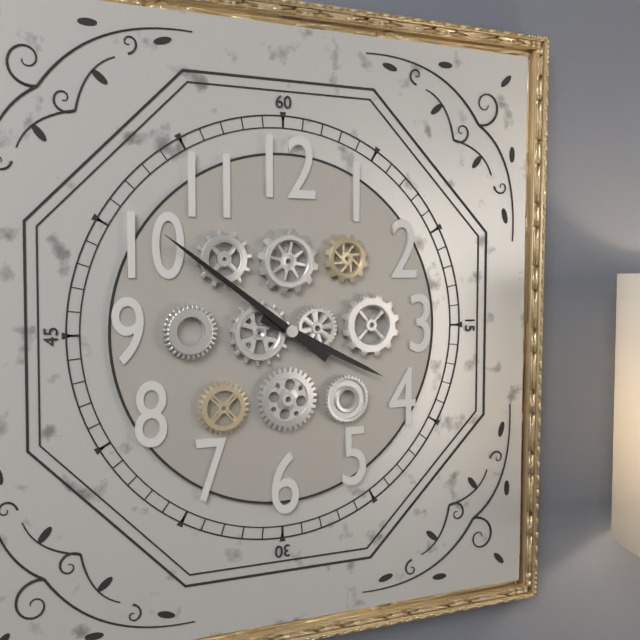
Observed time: 3:51
